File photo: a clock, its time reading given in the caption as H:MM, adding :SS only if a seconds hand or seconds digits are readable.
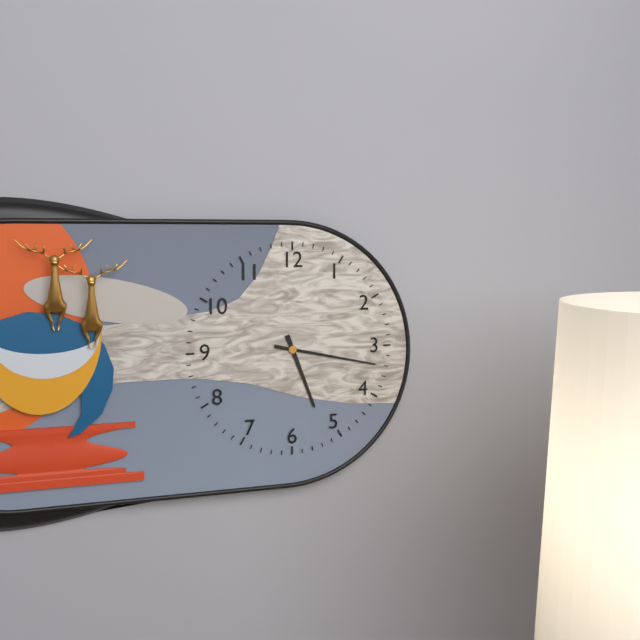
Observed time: 5:17
